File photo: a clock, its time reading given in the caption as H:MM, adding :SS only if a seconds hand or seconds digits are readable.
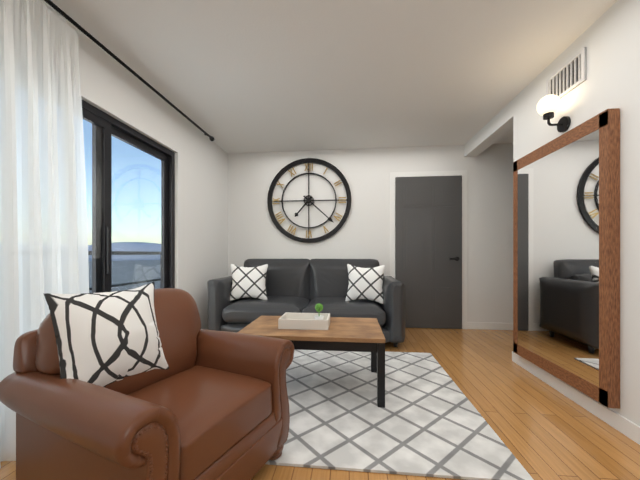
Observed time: 7:22
